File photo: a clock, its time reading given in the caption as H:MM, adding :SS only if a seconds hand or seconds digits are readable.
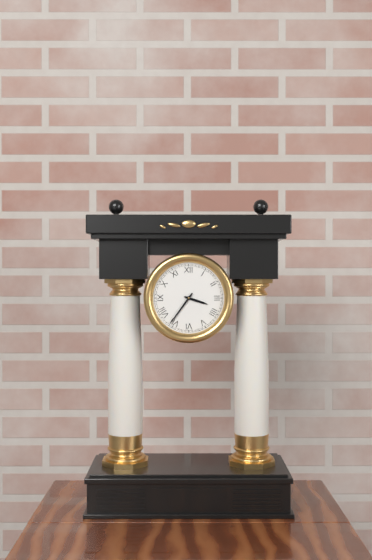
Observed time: 3:36
